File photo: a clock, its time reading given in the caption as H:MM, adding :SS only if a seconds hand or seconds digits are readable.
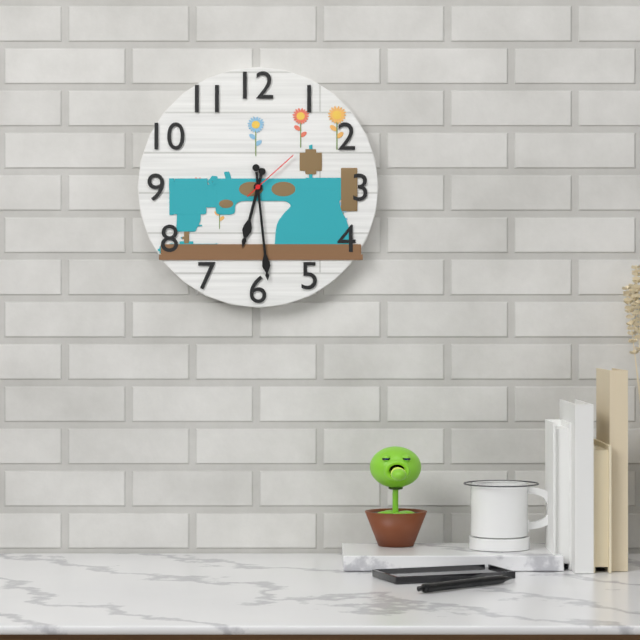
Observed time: 6:29:08
